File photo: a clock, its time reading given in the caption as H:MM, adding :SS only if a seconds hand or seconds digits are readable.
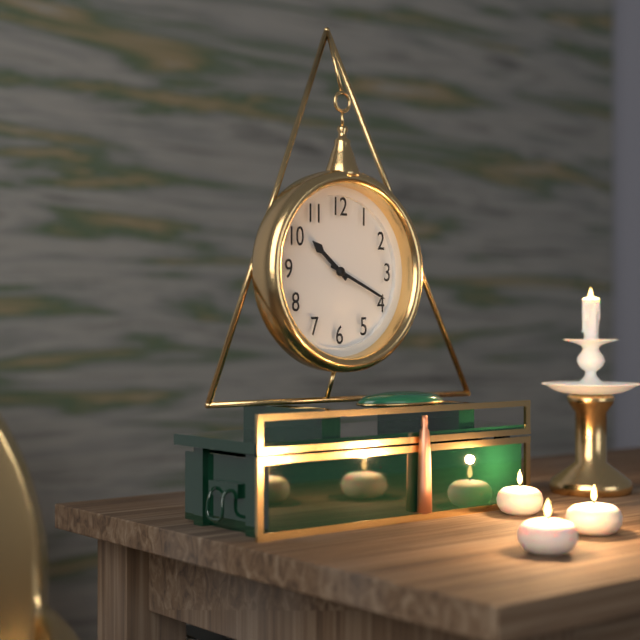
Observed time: 10:19
